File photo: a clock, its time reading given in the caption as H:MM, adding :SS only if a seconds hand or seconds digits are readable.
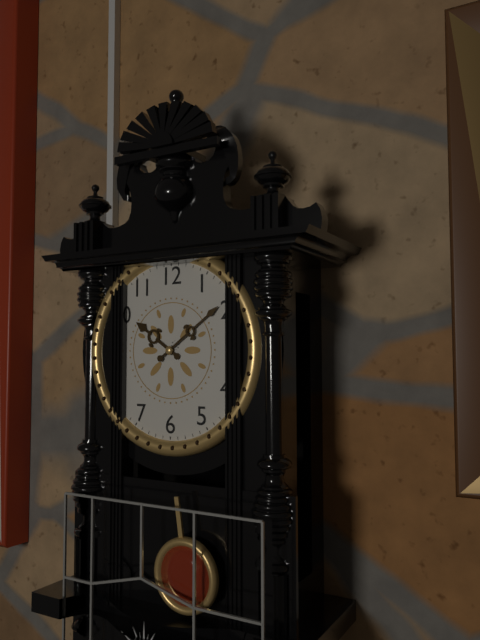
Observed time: 10:09
